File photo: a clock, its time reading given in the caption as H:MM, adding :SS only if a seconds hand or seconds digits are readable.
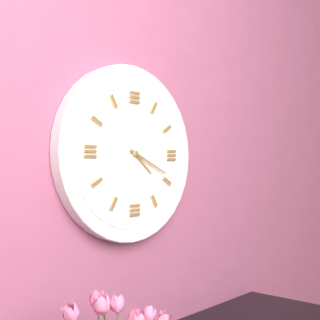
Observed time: 4:19
